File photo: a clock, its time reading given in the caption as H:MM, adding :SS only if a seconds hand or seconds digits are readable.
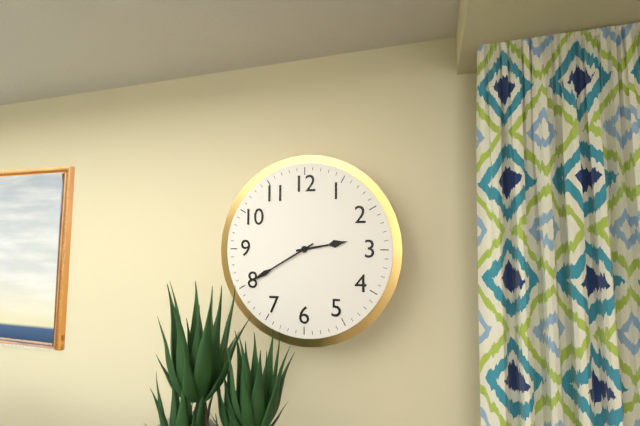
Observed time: 2:40
